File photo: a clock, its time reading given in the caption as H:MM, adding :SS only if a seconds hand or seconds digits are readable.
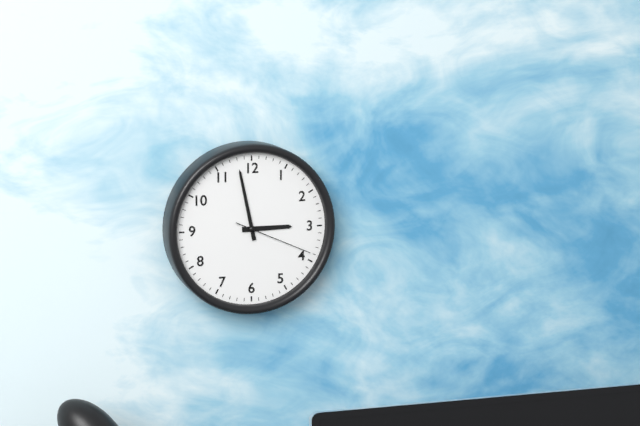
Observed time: 2:58:19
